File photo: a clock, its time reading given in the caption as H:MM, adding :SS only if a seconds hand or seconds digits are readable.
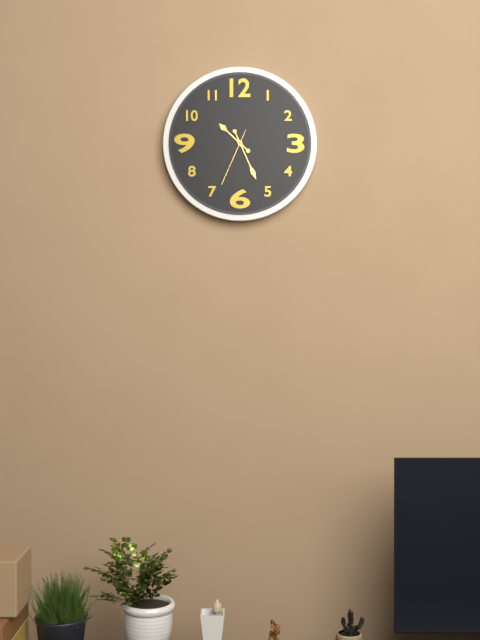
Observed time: 10:26:34
